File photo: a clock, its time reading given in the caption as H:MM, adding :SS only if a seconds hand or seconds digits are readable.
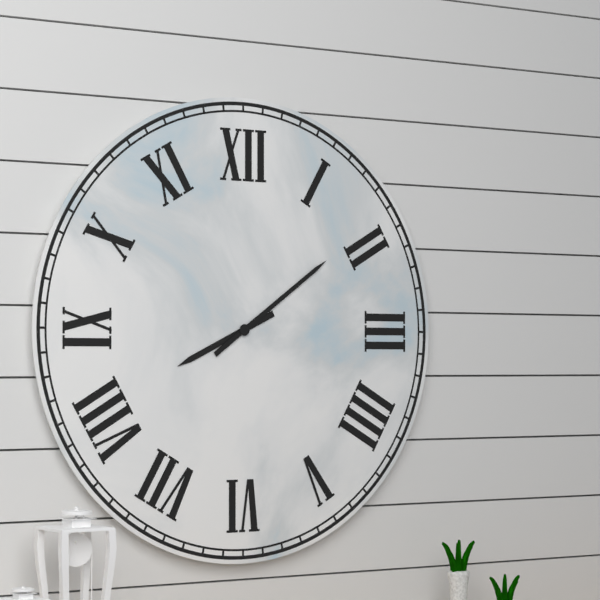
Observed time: 8:09
